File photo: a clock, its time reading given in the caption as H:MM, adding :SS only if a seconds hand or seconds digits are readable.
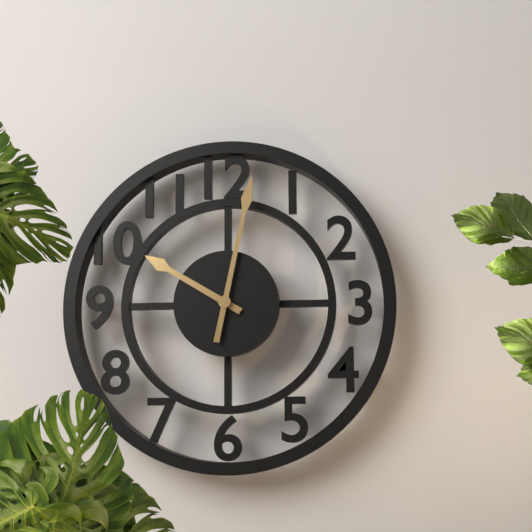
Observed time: 10:02
